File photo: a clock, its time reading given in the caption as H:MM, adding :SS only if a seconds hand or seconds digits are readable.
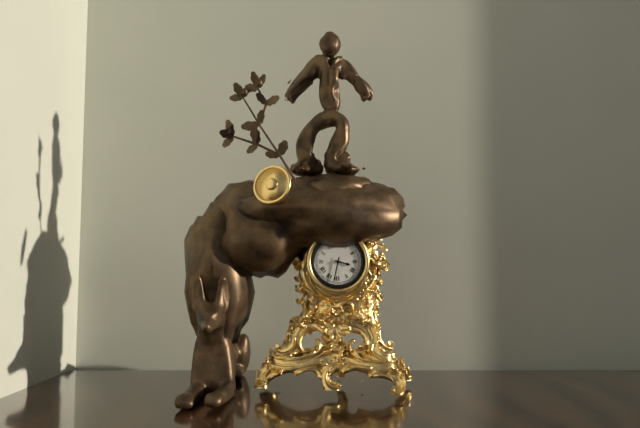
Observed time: 3:32
